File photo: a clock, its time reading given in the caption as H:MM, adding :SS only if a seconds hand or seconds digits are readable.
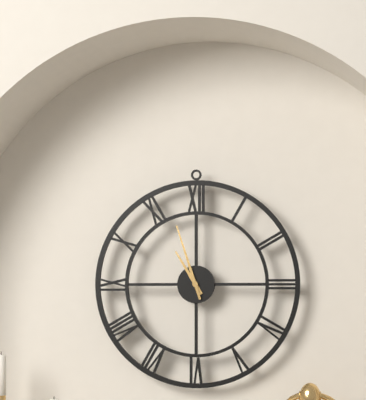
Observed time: 10:57
